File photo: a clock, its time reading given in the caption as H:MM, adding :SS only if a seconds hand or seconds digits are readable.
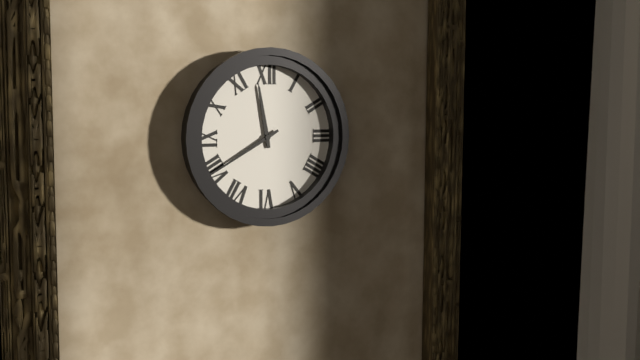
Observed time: 11:40
